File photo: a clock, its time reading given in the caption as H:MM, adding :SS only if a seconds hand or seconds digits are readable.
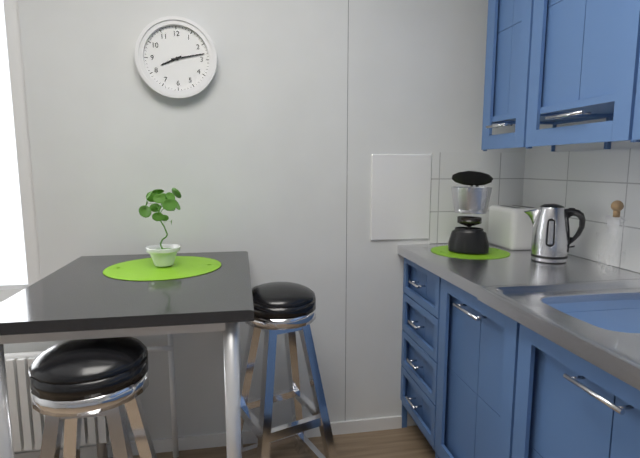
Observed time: 8:13
